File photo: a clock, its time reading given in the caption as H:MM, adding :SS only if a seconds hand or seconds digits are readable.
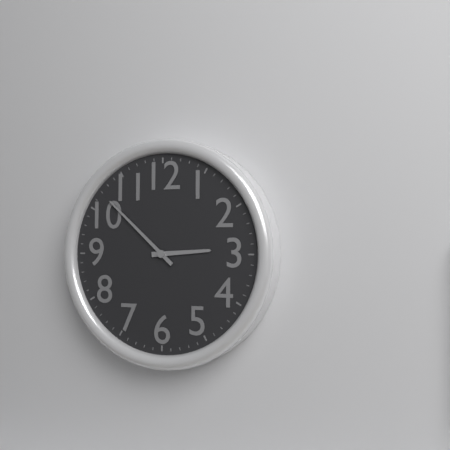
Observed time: 2:52
